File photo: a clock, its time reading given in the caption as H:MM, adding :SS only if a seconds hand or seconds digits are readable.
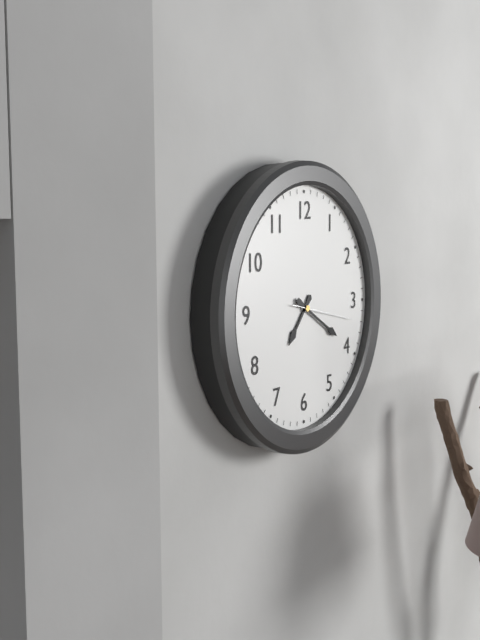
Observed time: 7:20:17
